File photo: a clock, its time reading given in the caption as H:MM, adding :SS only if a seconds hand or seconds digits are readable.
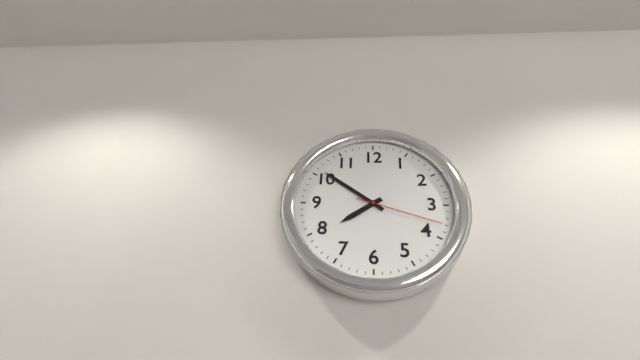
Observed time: 7:51:18
